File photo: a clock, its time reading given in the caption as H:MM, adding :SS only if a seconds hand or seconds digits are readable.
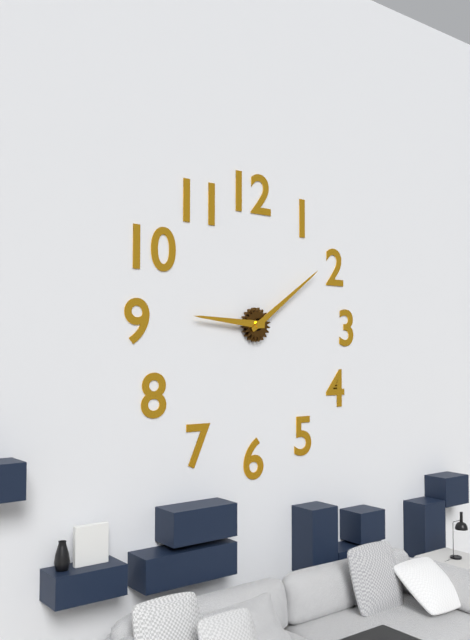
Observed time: 9:09
